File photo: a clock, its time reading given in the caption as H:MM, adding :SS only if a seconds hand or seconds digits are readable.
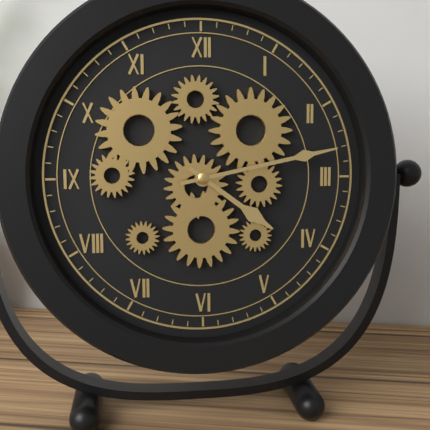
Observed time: 4:13
